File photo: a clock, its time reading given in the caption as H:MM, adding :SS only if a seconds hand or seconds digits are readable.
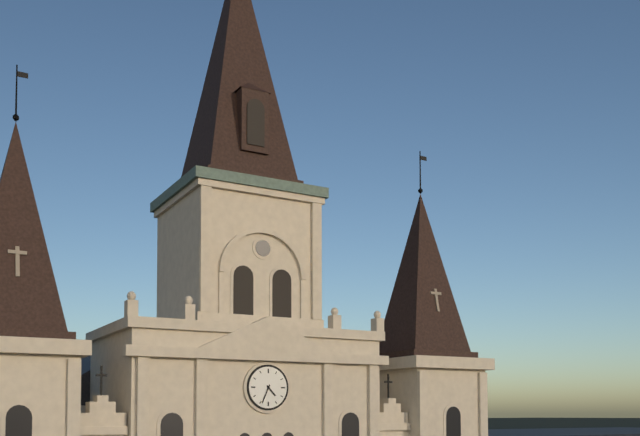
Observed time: 4:34
